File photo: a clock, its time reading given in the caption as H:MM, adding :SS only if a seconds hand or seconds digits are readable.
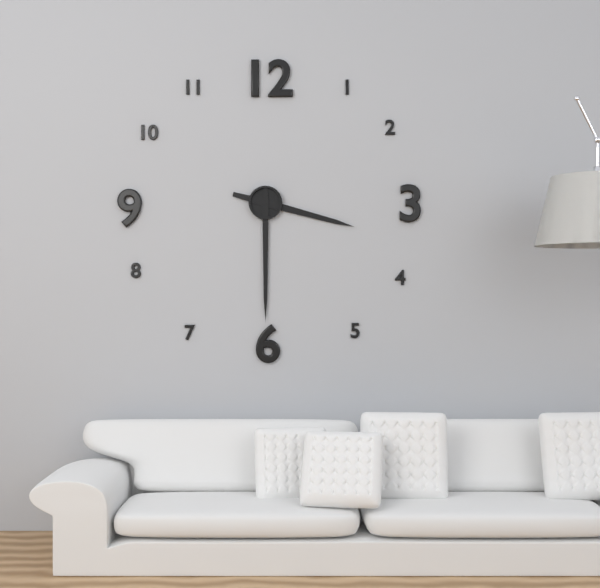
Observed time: 3:30
